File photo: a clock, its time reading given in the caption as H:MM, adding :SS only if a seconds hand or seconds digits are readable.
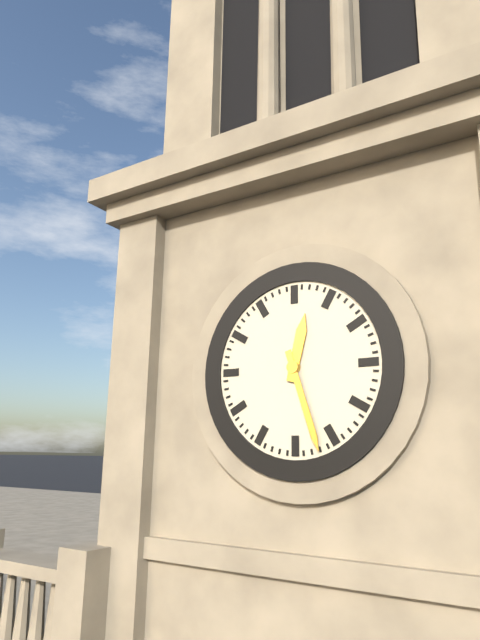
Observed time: 12:27
